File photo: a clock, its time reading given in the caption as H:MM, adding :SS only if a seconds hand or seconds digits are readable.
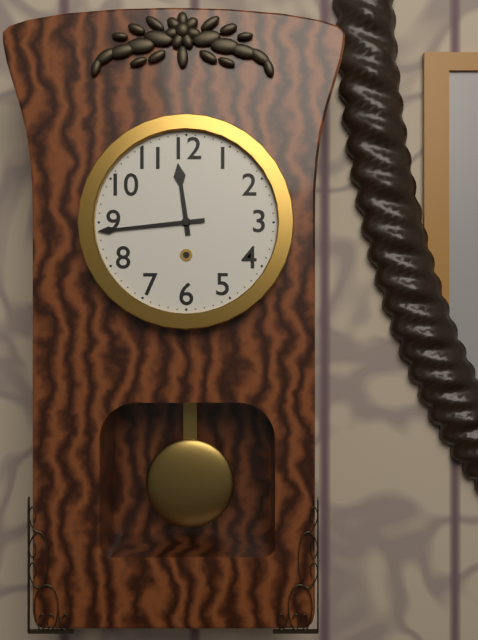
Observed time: 11:44
